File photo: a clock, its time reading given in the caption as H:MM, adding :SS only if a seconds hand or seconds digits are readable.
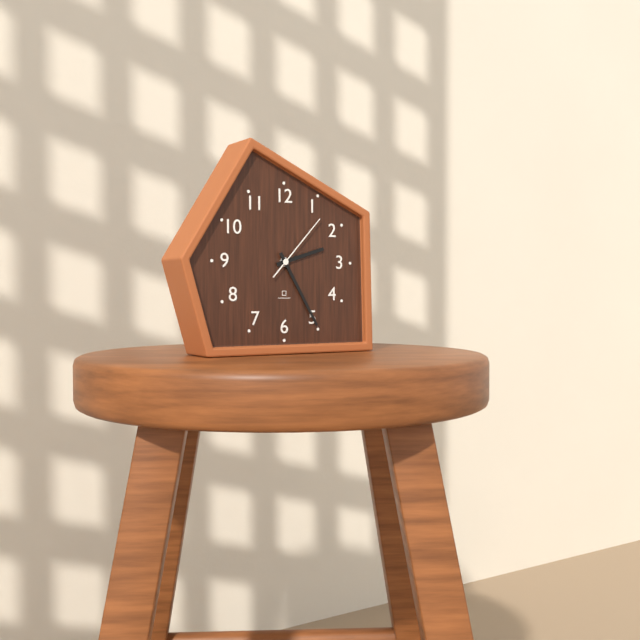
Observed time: 2:25:07
